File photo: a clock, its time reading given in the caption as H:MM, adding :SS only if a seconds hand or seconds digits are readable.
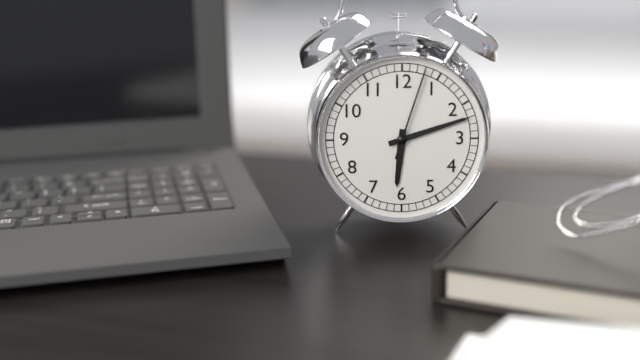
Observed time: 6:12:03
